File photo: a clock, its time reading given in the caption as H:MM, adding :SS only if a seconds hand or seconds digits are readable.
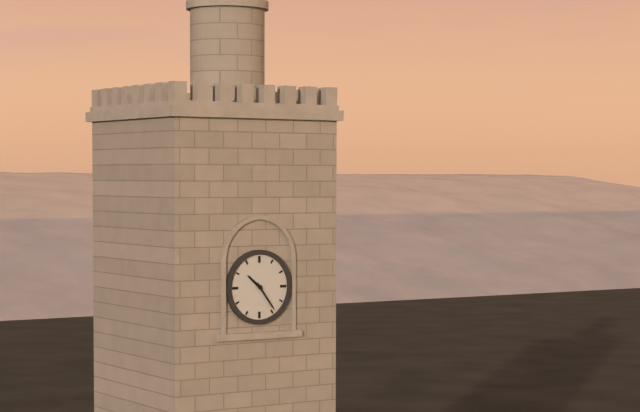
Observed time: 10:24
